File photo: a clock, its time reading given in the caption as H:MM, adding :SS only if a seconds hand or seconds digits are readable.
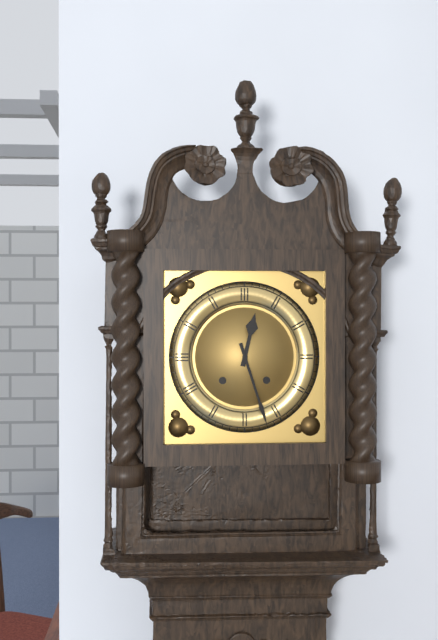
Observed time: 12:27
